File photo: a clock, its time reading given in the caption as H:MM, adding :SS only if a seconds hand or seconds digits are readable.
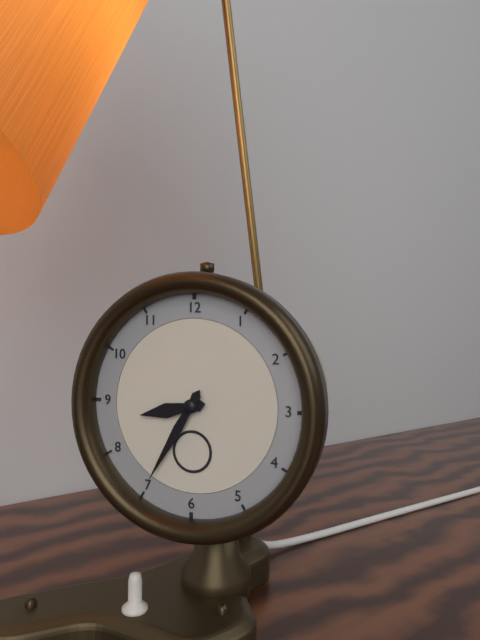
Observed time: 8:35
